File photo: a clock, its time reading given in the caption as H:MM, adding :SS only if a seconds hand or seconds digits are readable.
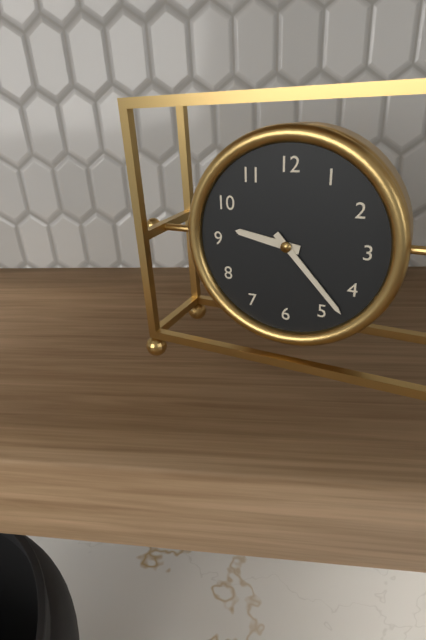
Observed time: 9:23
